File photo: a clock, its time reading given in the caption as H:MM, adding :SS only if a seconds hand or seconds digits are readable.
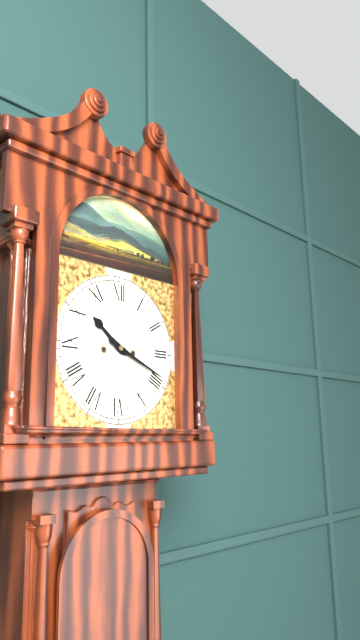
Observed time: 10:19
